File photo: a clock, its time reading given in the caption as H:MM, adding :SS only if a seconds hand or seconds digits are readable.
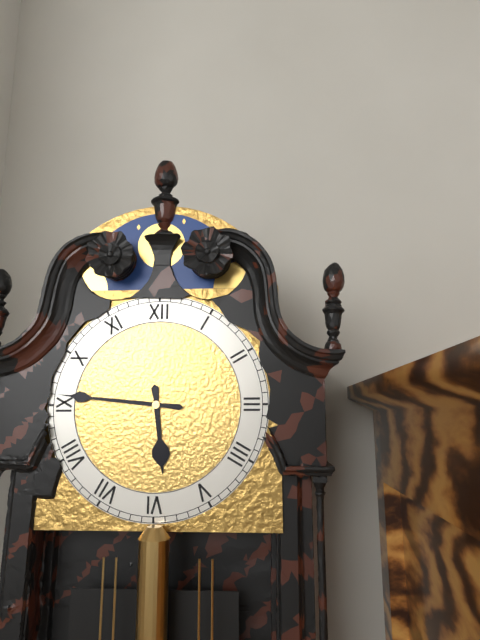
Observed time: 5:46
